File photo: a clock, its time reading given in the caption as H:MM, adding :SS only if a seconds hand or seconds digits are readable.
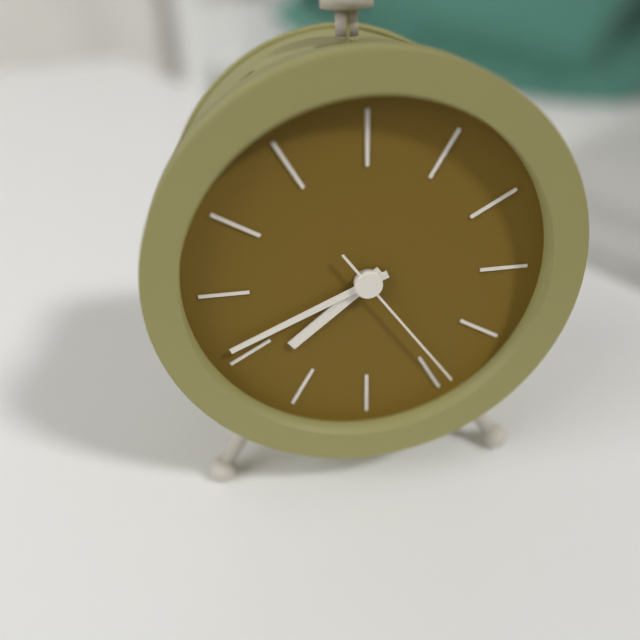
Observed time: 7:41:24
